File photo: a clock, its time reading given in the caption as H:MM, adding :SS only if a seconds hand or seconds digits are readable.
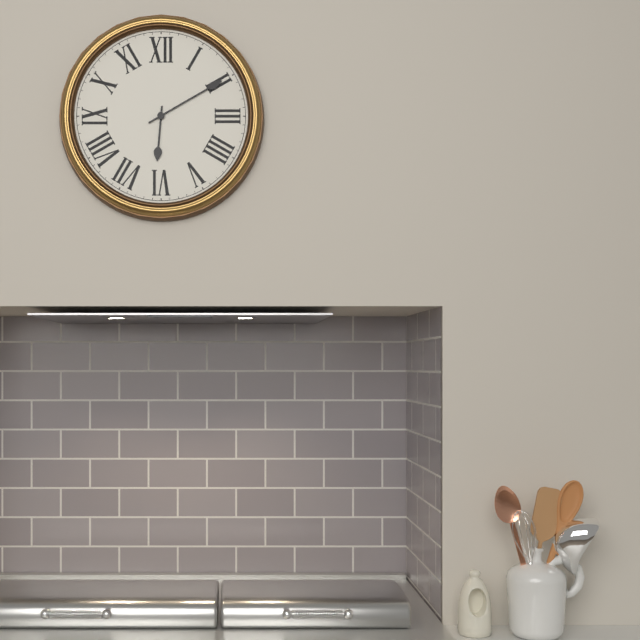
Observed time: 6:10
